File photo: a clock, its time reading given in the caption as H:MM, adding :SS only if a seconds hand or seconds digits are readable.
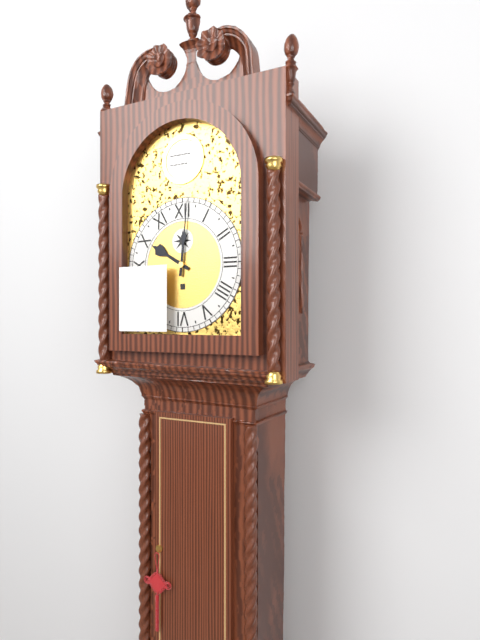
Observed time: 10:01
